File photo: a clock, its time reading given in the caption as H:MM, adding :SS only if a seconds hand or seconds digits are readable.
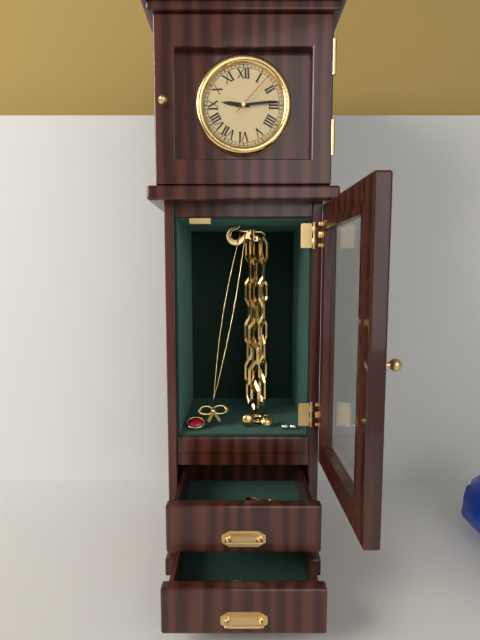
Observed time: 9:14:07
